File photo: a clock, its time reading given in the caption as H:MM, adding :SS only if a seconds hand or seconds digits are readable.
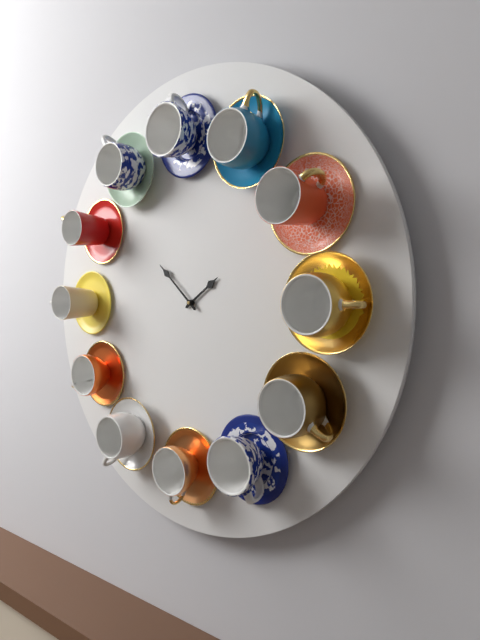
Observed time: 1:52
